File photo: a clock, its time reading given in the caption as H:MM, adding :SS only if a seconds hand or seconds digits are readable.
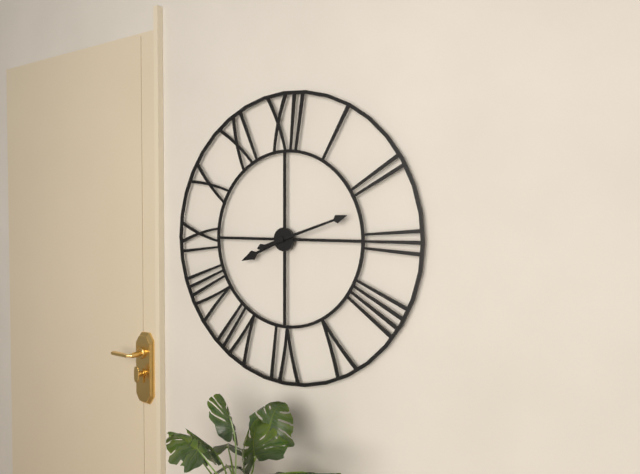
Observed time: 8:12
